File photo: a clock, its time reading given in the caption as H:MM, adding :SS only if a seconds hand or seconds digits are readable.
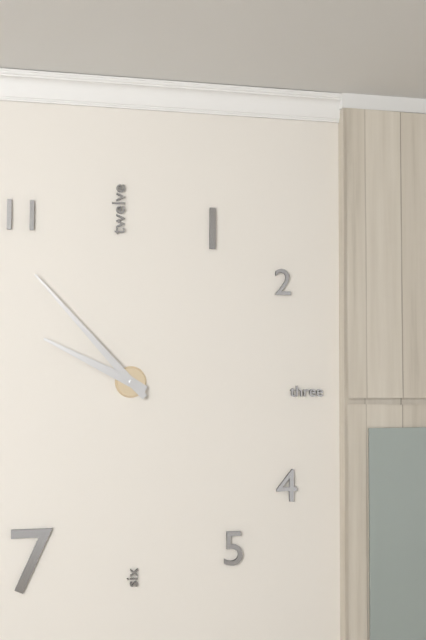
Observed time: 9:53
